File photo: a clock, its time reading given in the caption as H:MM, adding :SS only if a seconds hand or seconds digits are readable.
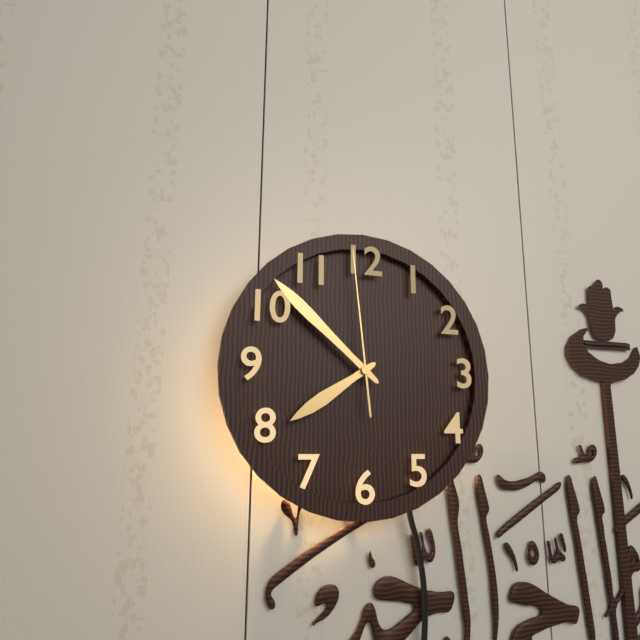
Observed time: 7:52:59
